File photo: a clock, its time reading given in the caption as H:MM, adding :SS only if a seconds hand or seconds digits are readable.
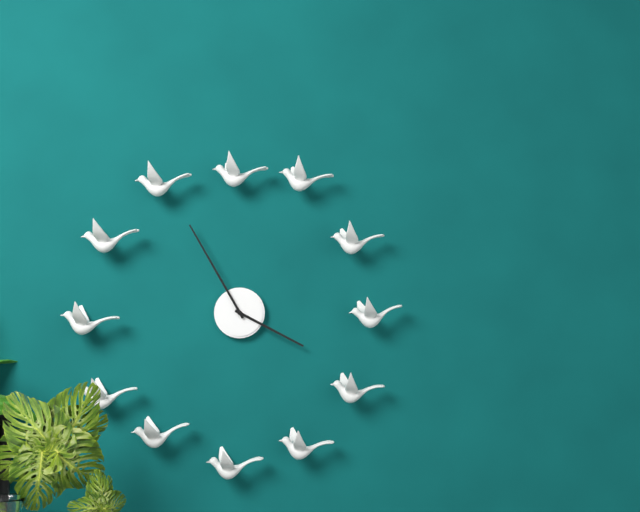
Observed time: 3:55
